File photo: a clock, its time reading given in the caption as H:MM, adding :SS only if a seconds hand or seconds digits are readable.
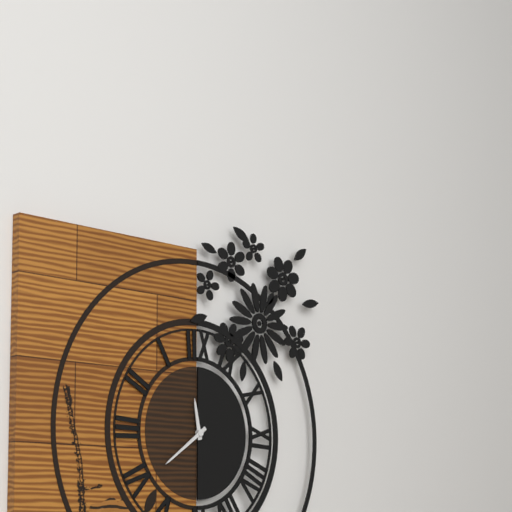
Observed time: 11:39
